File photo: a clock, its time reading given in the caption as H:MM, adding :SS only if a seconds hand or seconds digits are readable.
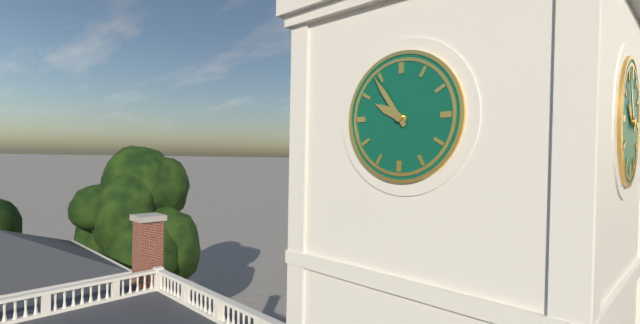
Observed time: 9:54
